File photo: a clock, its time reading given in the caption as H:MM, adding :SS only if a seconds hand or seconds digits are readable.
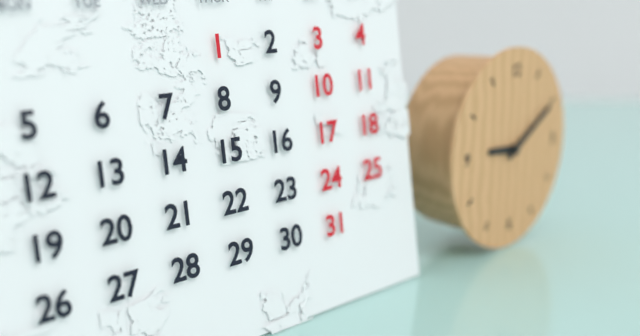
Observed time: 9:10
